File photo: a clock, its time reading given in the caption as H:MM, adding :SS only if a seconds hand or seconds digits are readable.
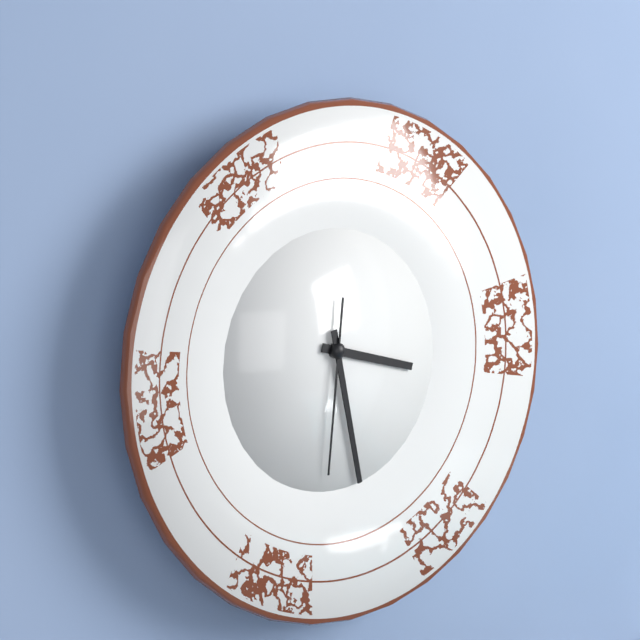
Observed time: 3:28:31
